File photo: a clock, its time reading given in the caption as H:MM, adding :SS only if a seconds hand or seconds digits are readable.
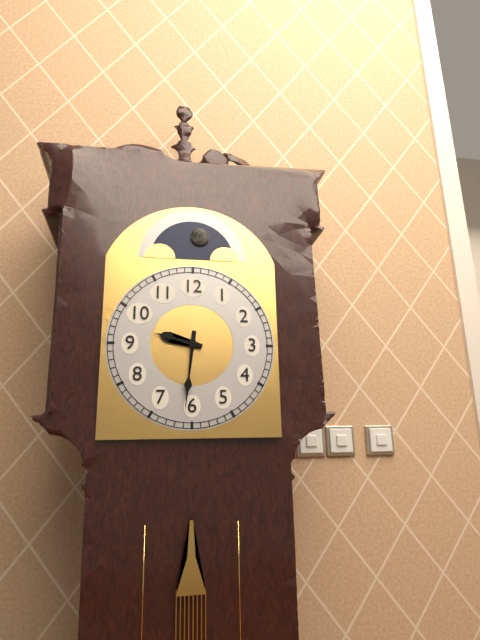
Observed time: 9:31
